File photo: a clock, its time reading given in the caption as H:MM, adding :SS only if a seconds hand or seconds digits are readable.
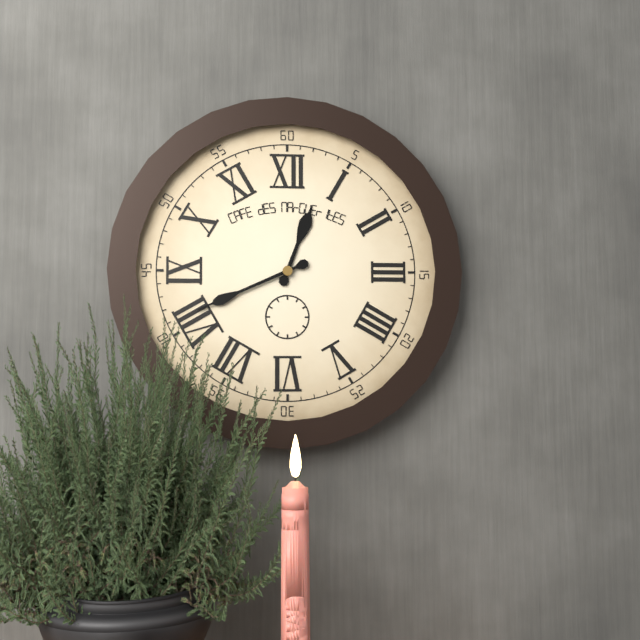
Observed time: 12:41
